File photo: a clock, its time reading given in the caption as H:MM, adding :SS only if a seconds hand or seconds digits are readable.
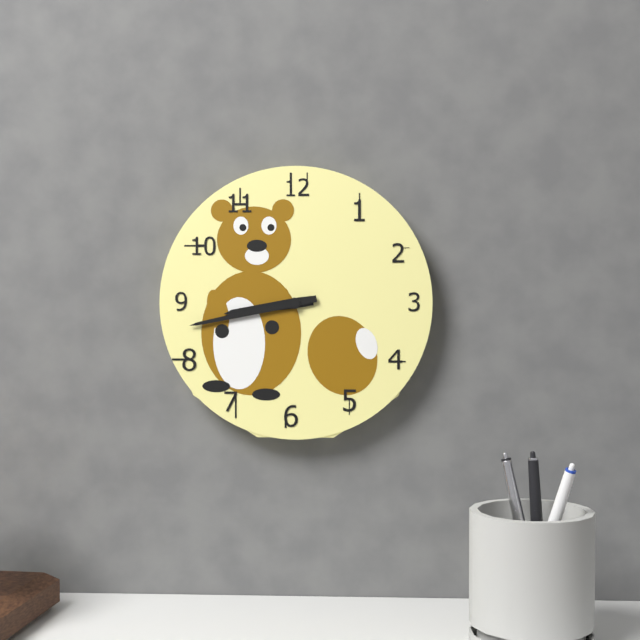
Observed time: 8:43
